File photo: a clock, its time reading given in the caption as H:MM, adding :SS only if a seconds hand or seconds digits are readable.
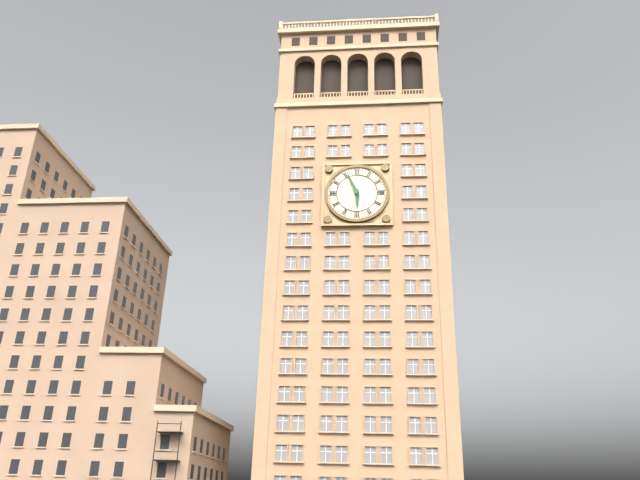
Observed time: 5:56
